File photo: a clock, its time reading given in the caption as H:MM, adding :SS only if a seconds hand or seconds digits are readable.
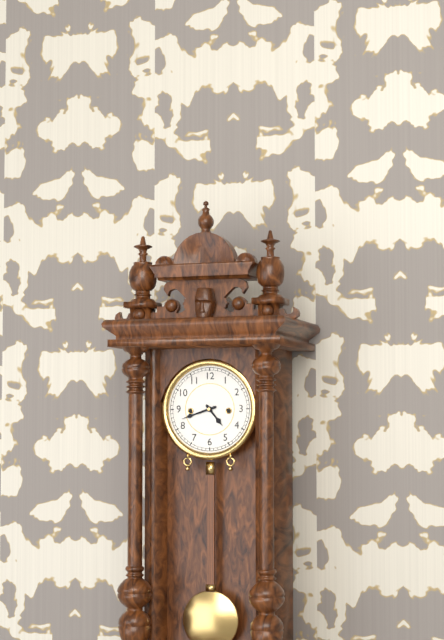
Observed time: 4:42
